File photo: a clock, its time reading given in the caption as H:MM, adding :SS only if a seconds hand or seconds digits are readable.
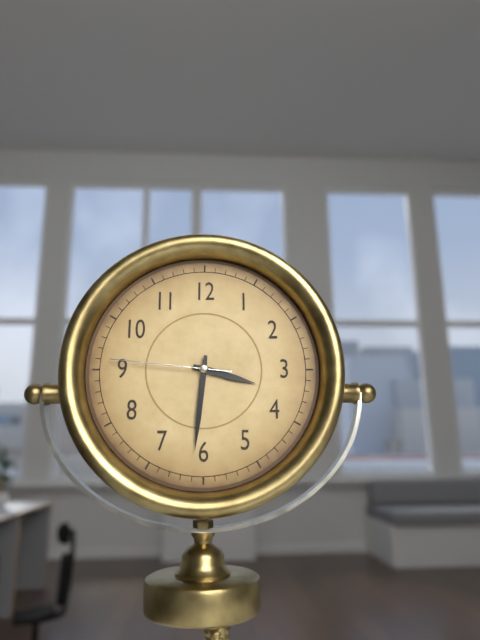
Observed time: 3:31:46
